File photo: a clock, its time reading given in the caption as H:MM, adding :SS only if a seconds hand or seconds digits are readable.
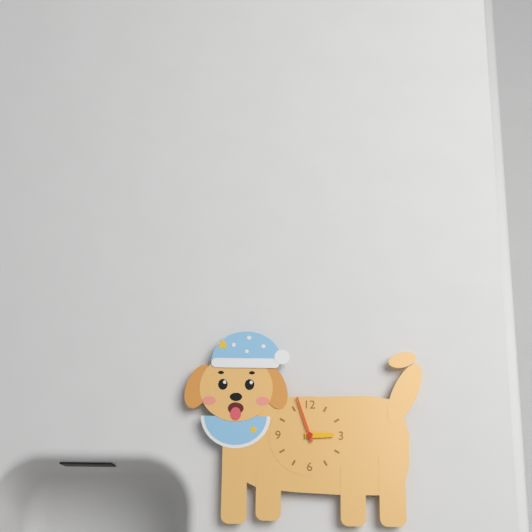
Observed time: 2:57
